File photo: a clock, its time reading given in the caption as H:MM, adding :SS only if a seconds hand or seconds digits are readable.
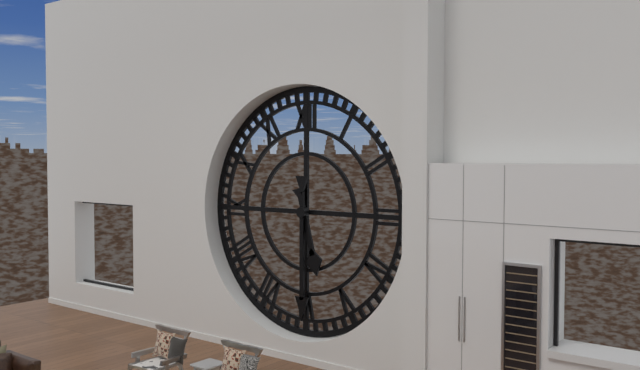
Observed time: 5:30
